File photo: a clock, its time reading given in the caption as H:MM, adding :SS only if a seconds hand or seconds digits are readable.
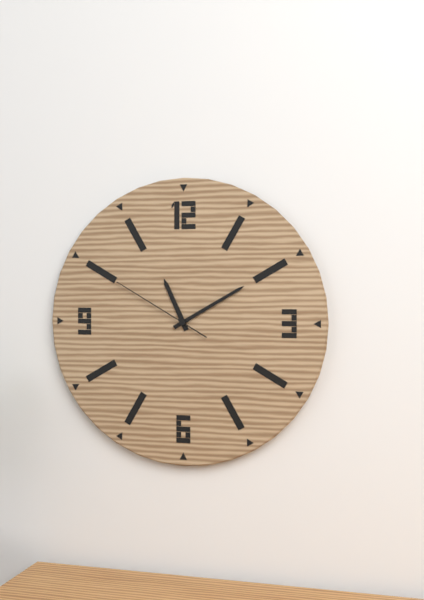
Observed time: 11:10:50
